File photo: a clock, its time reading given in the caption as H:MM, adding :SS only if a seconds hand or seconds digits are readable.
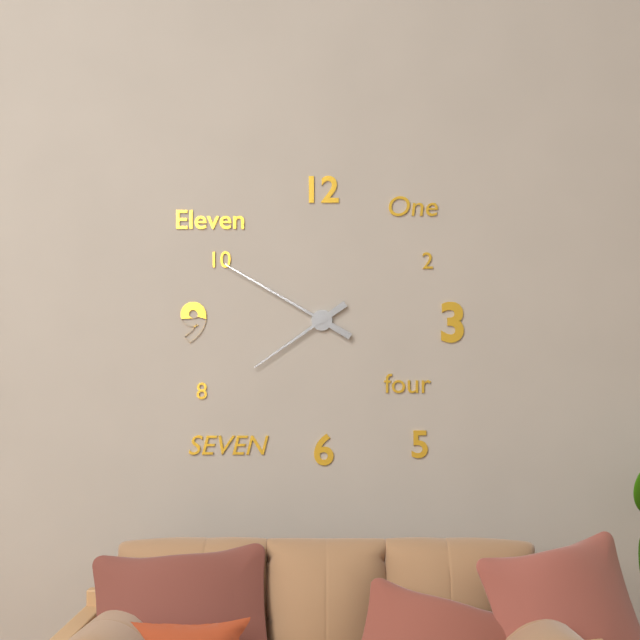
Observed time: 7:50
